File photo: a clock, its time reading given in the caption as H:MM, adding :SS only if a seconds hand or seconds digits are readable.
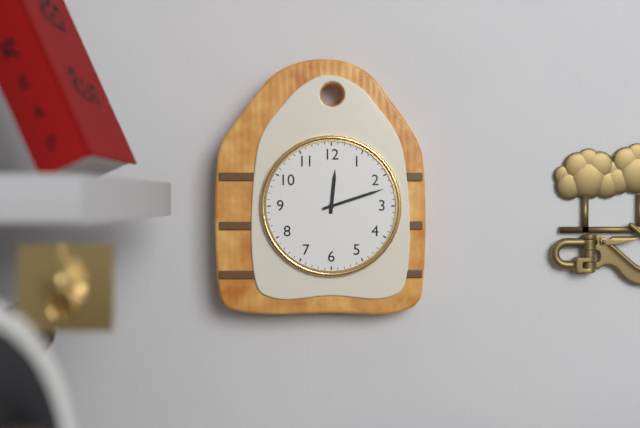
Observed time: 12:12
